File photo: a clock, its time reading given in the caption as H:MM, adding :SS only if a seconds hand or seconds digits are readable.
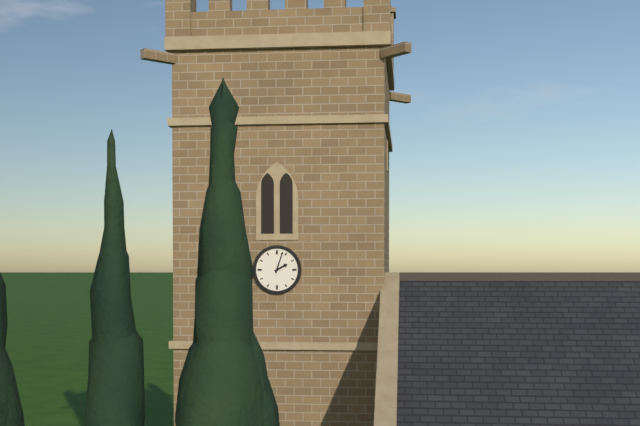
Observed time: 2:03
